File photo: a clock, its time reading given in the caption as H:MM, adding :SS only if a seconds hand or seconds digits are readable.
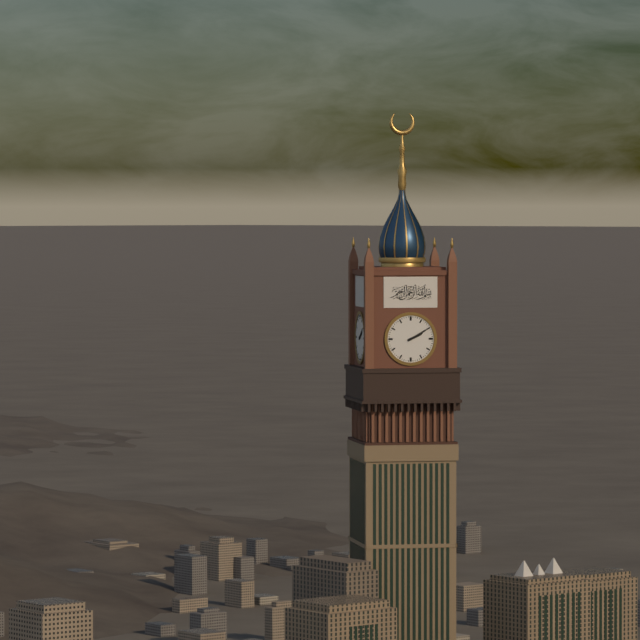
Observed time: 2:10
